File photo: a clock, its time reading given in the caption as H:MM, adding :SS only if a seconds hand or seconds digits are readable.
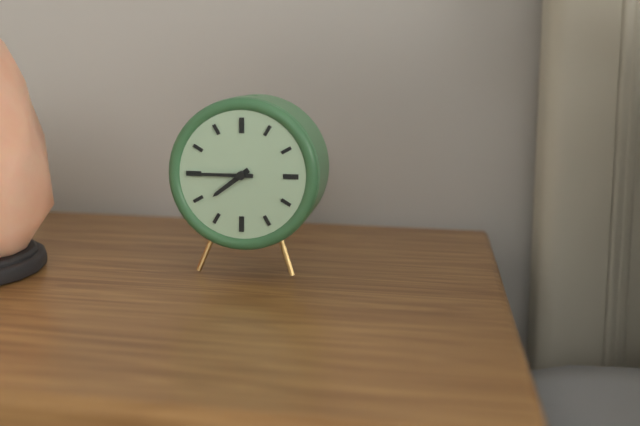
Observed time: 7:45
